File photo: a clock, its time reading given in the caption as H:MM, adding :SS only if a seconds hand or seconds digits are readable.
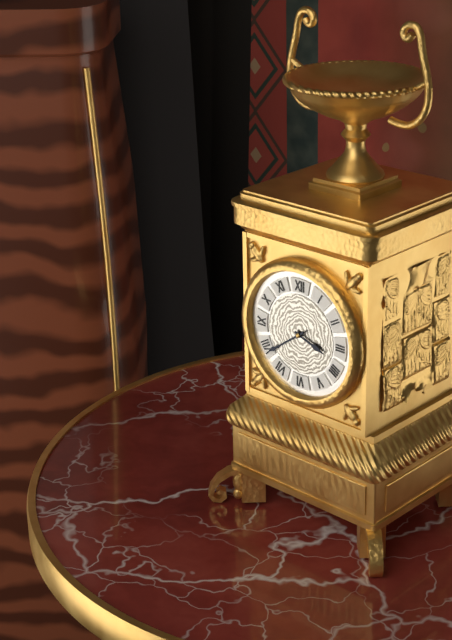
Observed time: 3:39
